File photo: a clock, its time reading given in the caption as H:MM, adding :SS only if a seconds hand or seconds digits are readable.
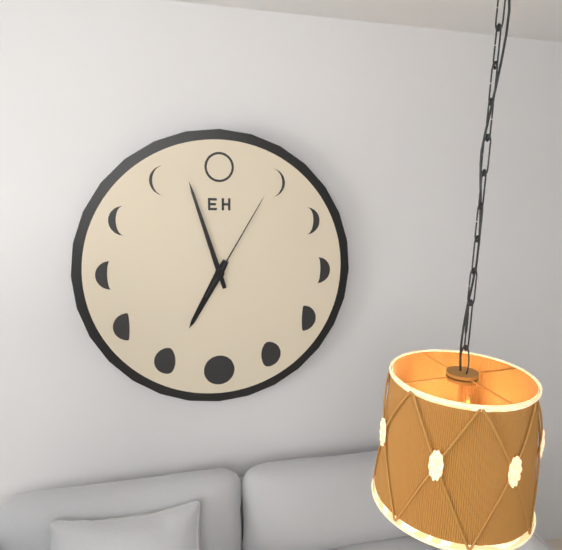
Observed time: 6:57:05
